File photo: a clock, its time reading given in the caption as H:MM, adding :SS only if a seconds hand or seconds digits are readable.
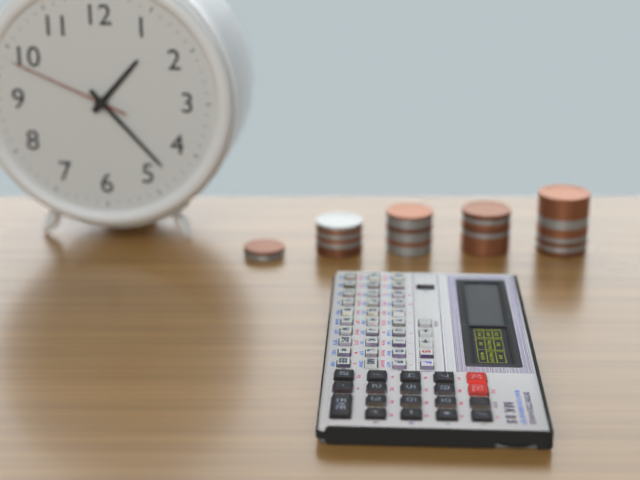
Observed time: 1:23:49
